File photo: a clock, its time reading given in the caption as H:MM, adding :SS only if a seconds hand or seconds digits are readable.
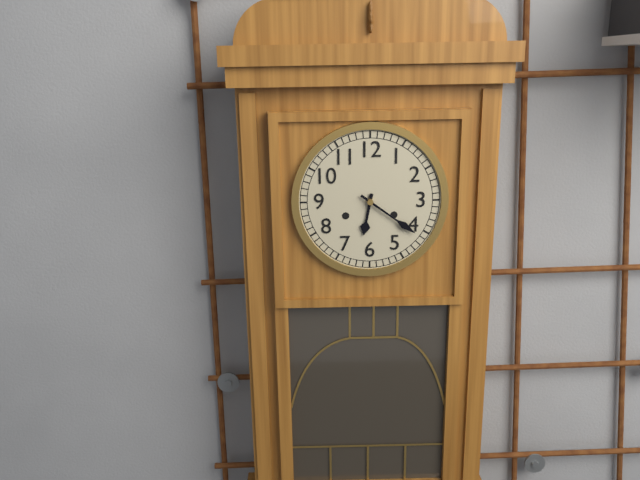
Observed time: 6:21
